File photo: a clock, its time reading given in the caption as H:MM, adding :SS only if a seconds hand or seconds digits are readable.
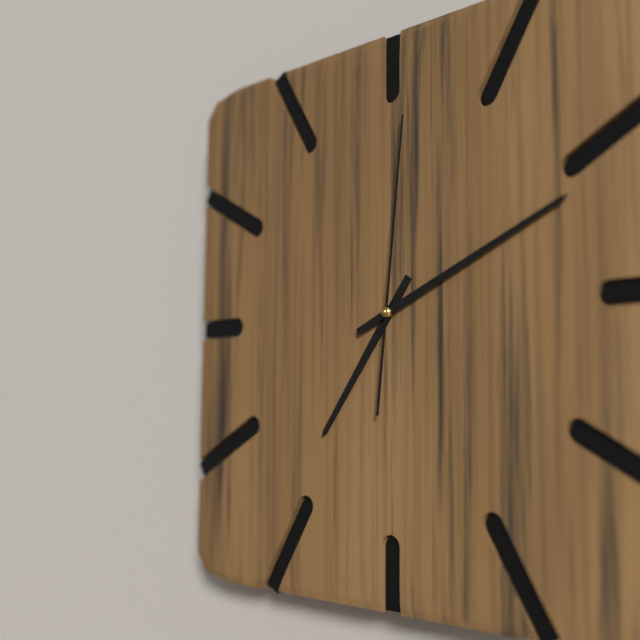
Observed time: 7:11:01
